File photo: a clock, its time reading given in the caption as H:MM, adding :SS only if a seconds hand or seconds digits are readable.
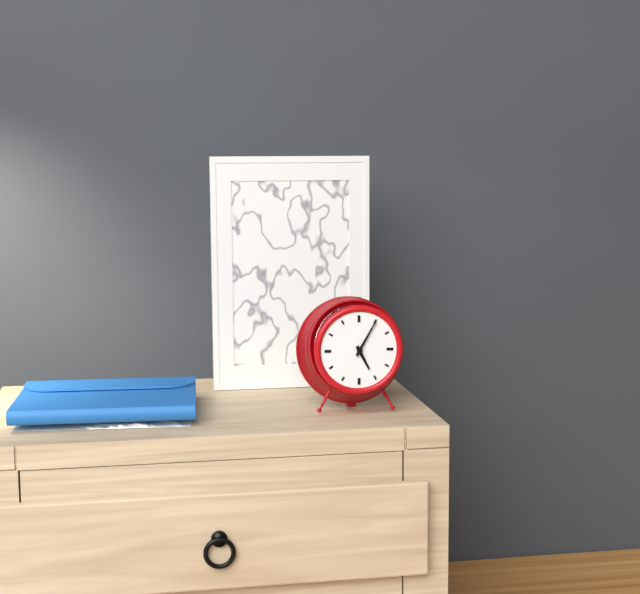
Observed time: 5:05
